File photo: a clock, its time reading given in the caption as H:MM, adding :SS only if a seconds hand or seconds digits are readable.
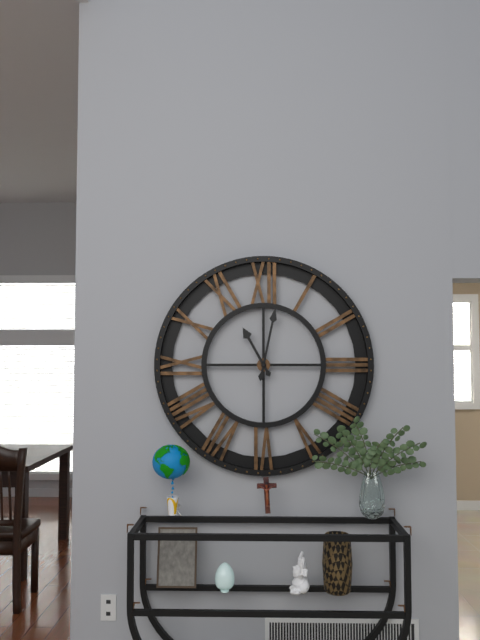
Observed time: 11:02
